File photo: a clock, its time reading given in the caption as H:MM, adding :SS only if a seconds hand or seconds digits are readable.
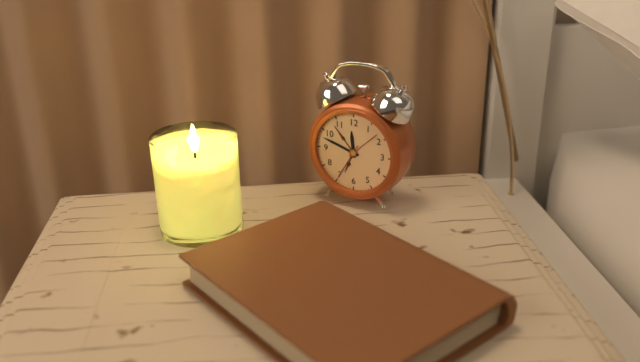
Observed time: 11:48
